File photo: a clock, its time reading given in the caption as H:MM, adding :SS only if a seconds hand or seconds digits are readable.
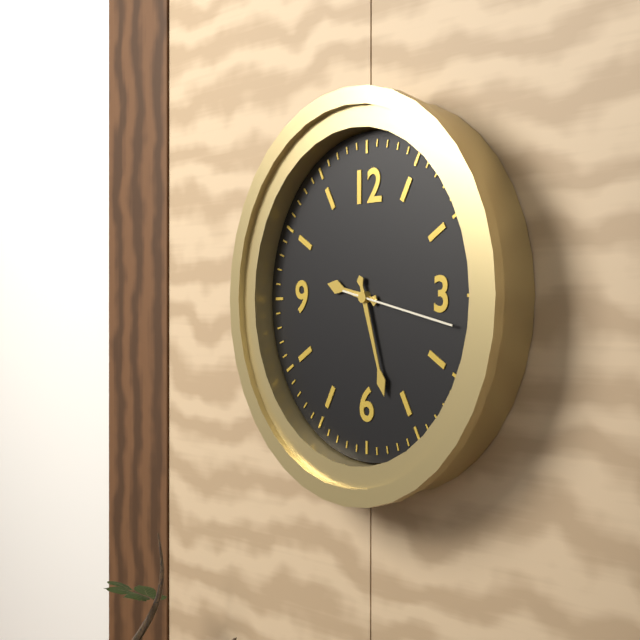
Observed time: 9:27:17
